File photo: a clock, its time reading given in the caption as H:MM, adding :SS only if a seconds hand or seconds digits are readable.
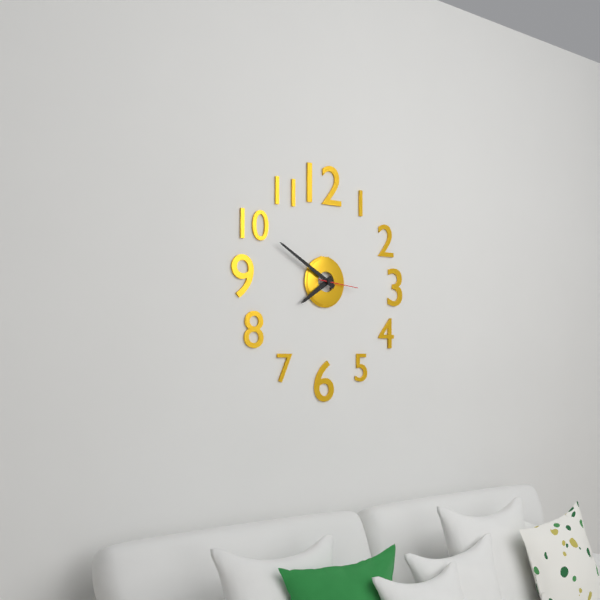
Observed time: 7:50
